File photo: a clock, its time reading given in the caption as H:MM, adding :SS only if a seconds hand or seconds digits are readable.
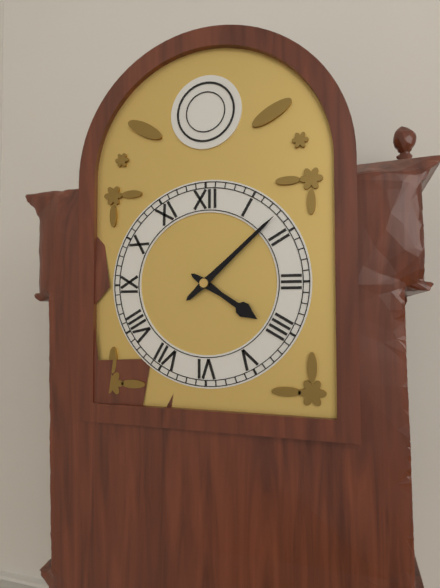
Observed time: 4:08
